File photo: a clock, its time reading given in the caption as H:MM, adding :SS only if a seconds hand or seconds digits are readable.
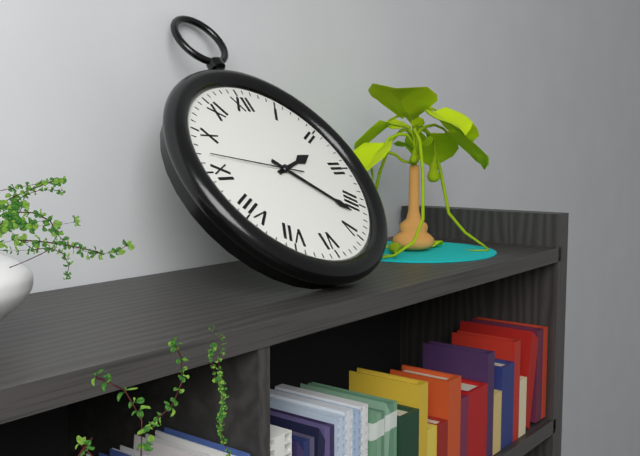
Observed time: 2:22:47
